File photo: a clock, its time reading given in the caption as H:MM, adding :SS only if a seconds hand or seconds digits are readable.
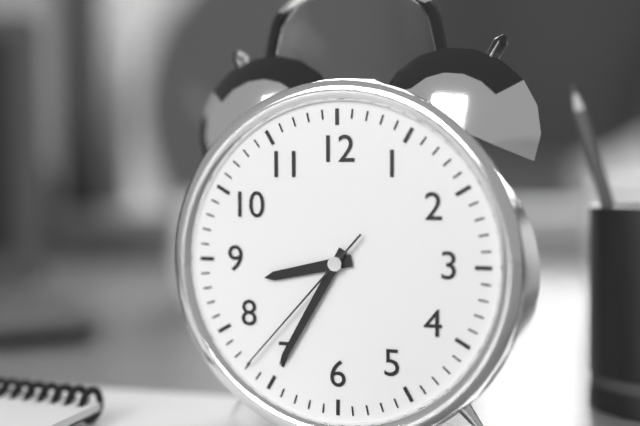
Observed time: 8:35:37
